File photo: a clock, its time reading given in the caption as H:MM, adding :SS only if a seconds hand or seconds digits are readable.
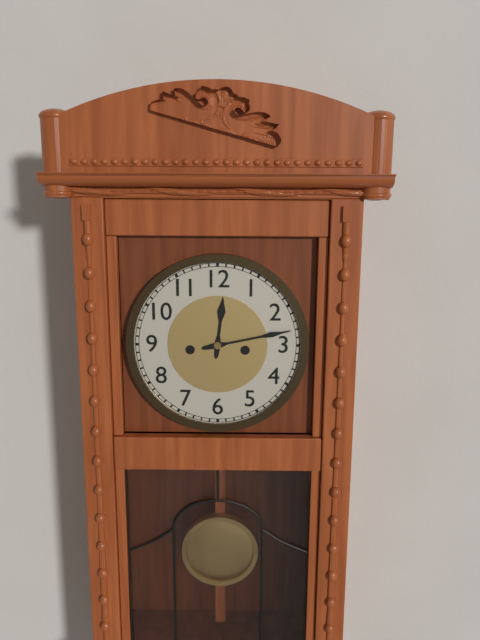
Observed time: 12:13
